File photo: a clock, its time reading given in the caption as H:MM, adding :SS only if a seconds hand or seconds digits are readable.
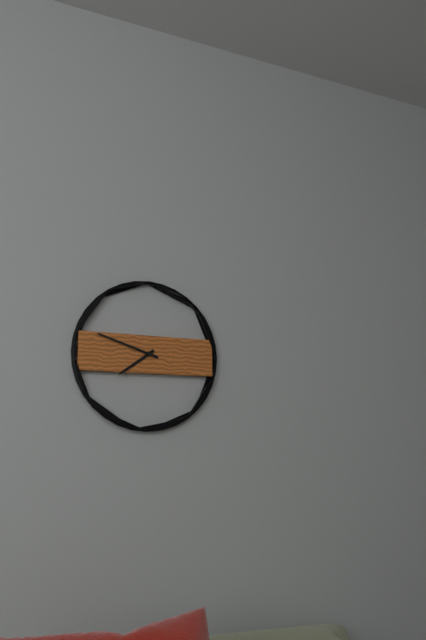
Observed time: 7:48
